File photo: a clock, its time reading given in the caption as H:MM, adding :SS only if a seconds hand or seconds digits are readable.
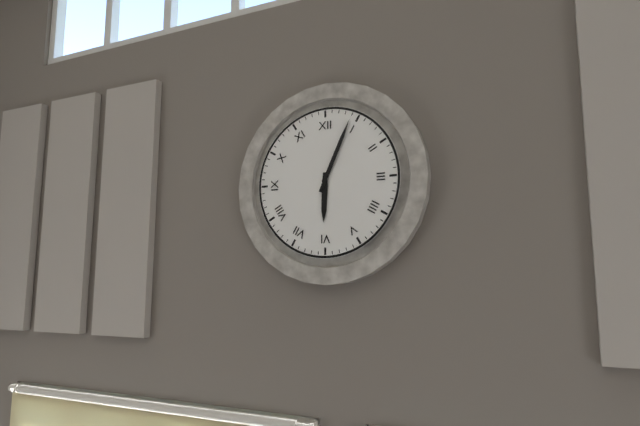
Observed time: 6:04
